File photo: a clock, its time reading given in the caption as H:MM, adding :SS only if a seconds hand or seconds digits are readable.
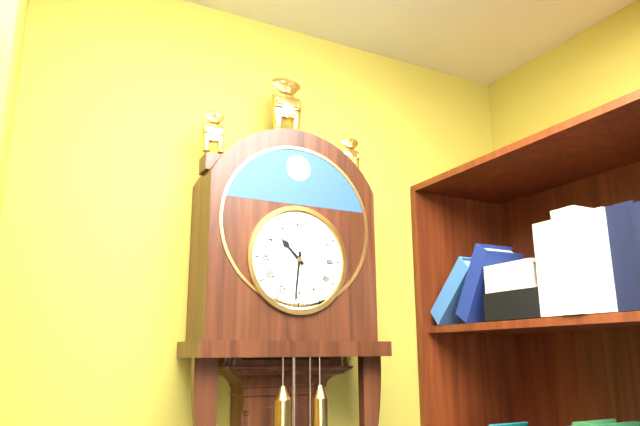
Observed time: 10:31
